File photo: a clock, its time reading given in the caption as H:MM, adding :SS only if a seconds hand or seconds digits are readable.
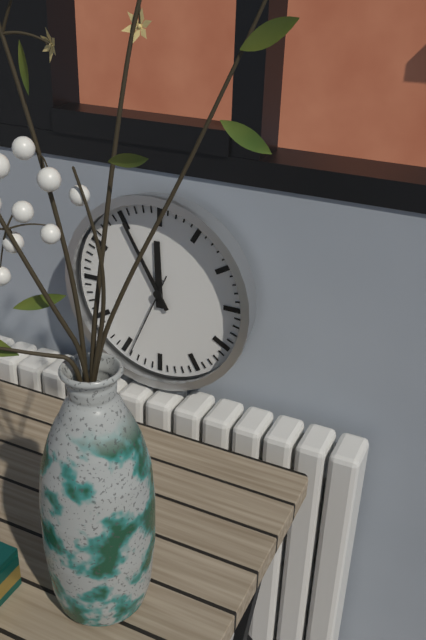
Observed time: 11:55:34
